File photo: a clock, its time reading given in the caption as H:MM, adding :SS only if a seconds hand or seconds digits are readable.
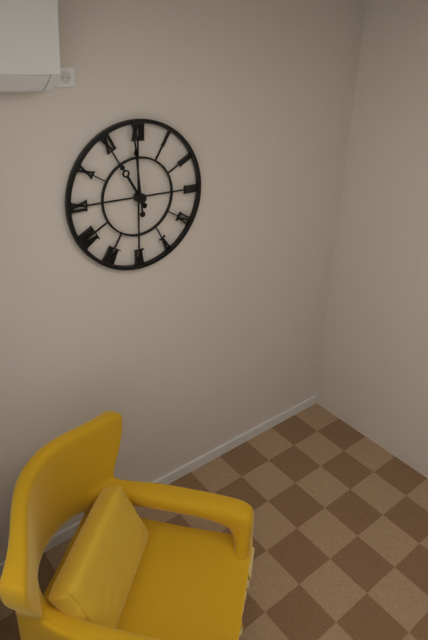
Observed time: 10:59
